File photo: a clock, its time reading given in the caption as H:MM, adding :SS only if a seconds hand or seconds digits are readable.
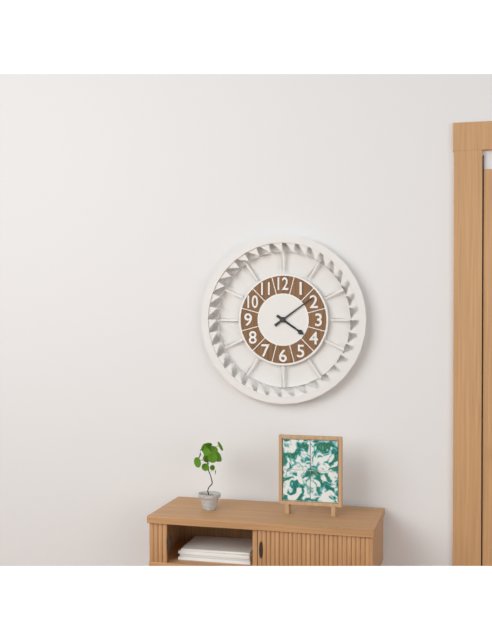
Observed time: 4:09
